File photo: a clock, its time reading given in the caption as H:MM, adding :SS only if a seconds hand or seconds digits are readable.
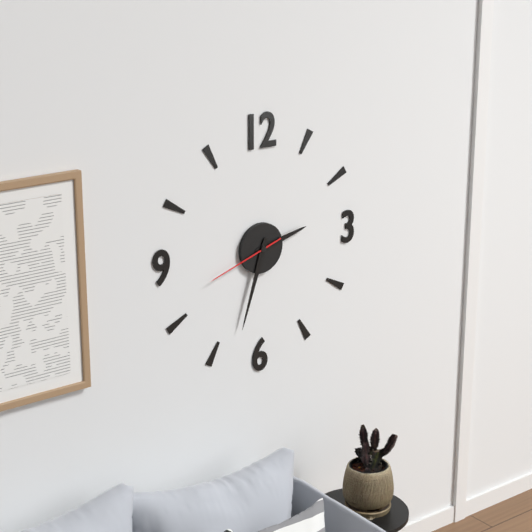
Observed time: 2:33:42
